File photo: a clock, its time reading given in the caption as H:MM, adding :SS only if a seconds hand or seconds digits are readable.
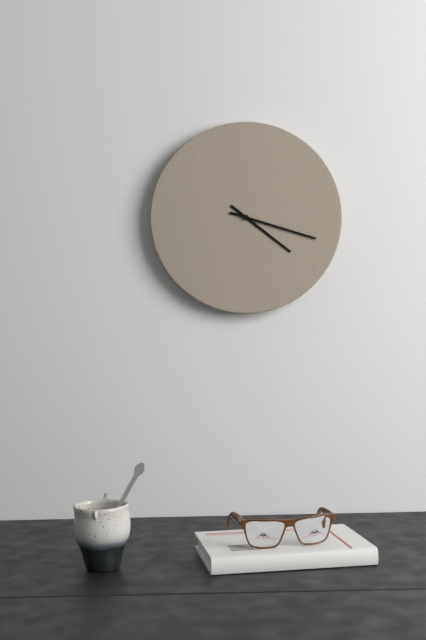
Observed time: 4:18
